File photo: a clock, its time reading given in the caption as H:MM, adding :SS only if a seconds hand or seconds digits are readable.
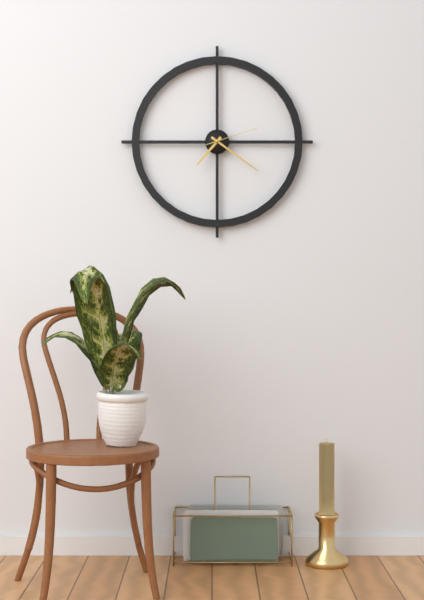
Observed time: 7:21:12
